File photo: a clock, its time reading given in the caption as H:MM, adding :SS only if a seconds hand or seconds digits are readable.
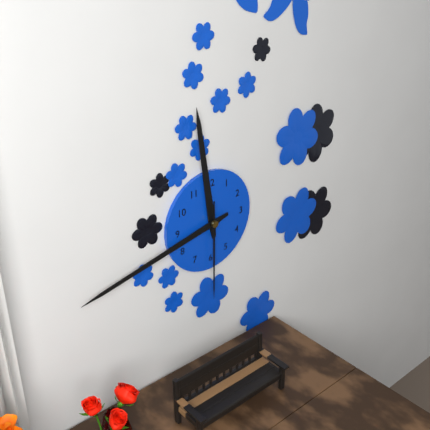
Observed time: 11:43:30
